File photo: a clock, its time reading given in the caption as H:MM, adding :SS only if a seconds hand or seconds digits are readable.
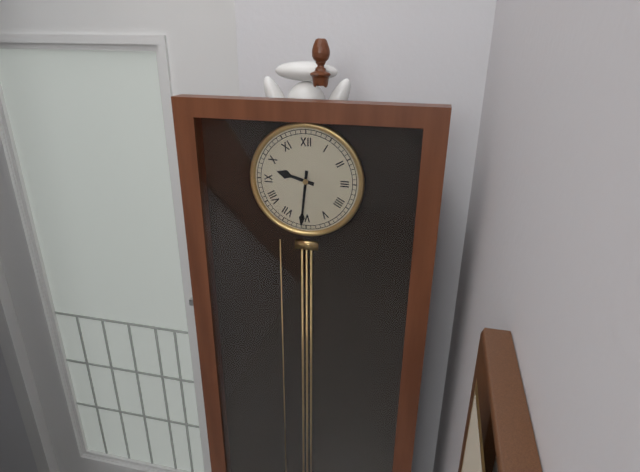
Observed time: 9:31
